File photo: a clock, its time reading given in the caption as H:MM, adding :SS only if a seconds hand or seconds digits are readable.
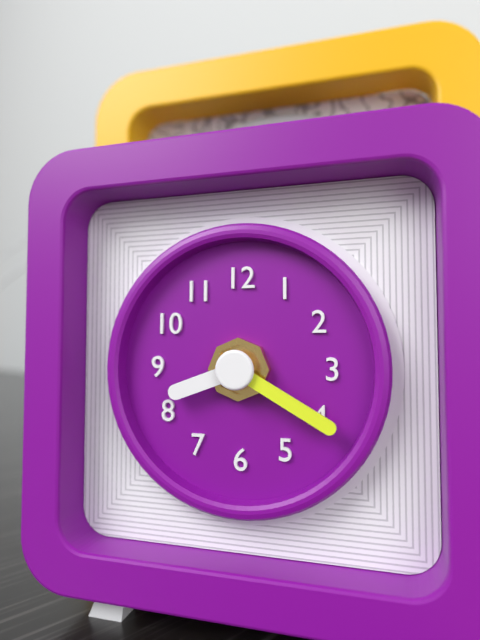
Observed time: 8:20
